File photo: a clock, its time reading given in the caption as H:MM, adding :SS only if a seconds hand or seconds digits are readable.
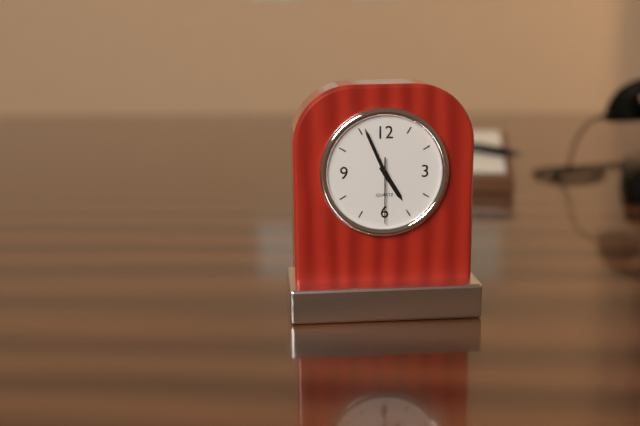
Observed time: 4:56:30
